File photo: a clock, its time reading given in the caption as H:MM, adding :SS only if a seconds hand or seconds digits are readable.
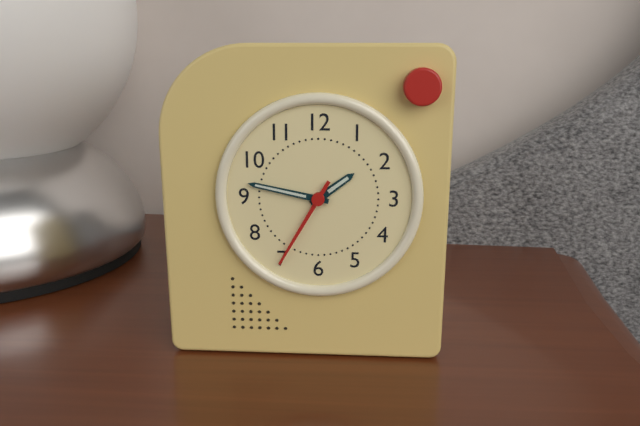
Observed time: 1:47:35
